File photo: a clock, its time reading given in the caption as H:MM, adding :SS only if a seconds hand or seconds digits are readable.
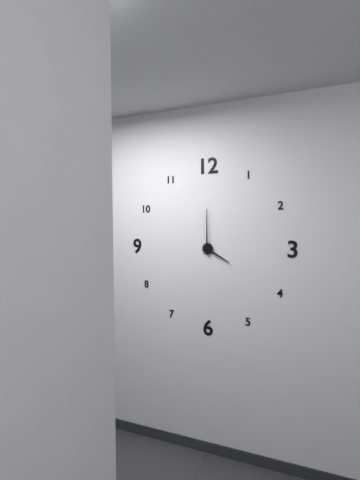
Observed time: 4:00
